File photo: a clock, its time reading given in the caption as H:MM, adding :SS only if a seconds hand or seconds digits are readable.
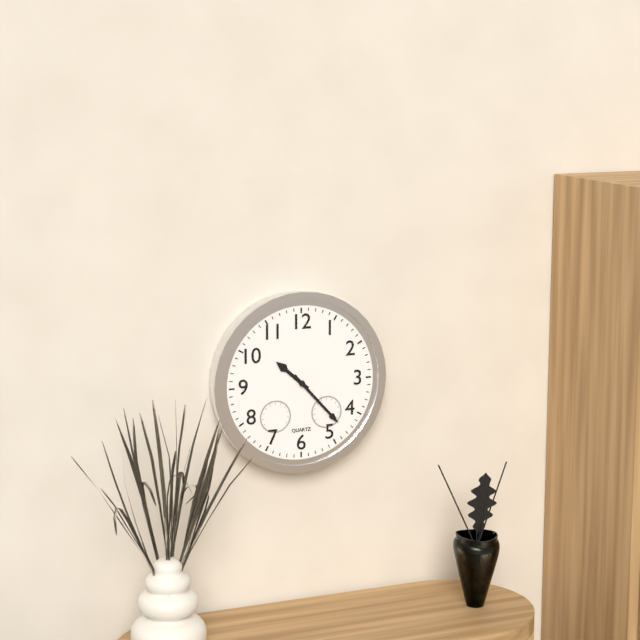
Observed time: 10:23
